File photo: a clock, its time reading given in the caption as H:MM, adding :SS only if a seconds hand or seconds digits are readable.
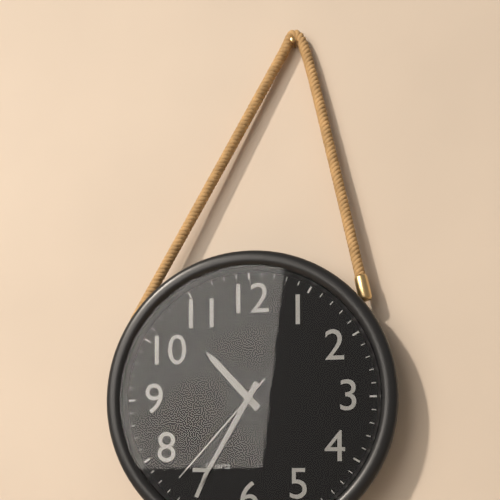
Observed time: 10:35:37
